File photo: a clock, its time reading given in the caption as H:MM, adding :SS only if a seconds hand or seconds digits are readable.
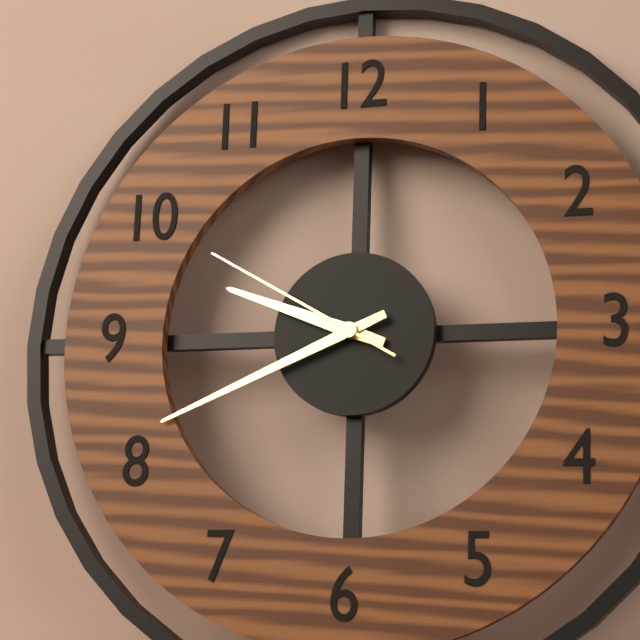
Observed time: 9:41:50
